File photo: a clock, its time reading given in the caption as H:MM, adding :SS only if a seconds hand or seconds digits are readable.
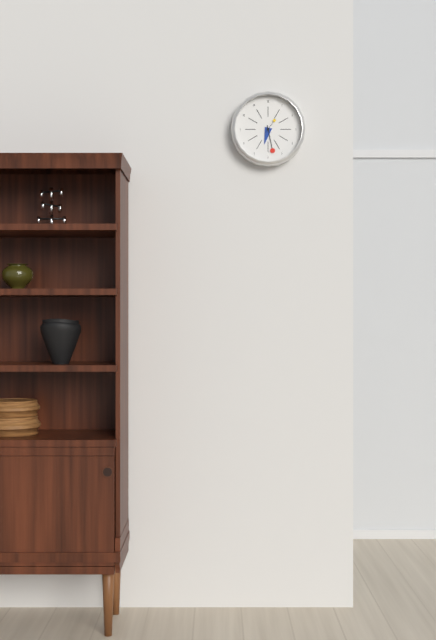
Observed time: 6:28
